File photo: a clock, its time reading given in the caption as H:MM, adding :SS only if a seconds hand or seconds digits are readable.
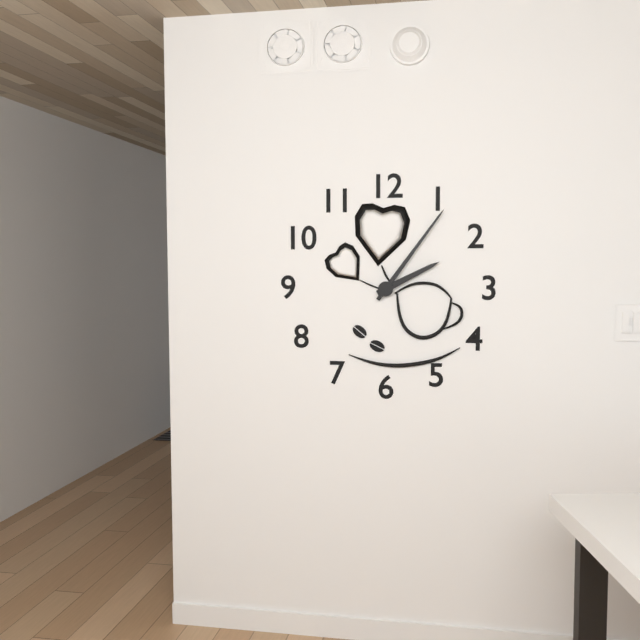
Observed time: 2:06
